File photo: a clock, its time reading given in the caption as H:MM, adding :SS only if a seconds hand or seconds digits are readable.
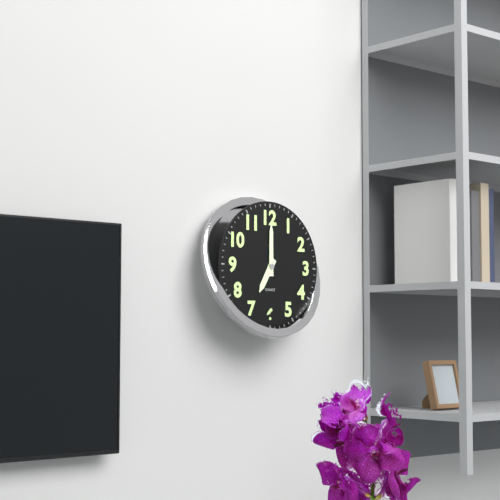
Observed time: 7:00
